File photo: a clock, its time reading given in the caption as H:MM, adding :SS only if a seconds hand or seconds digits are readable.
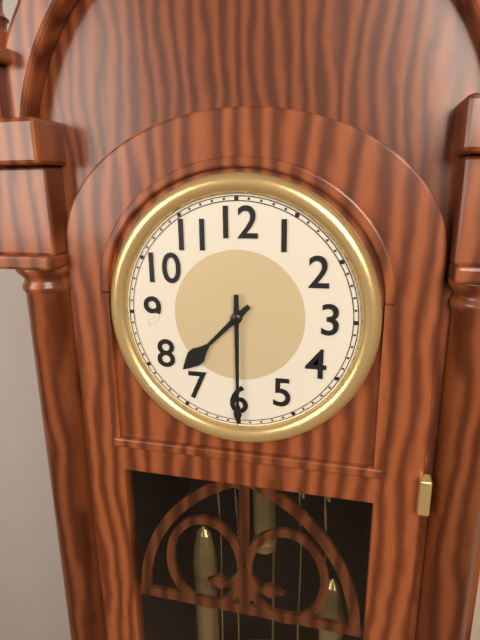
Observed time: 7:30
